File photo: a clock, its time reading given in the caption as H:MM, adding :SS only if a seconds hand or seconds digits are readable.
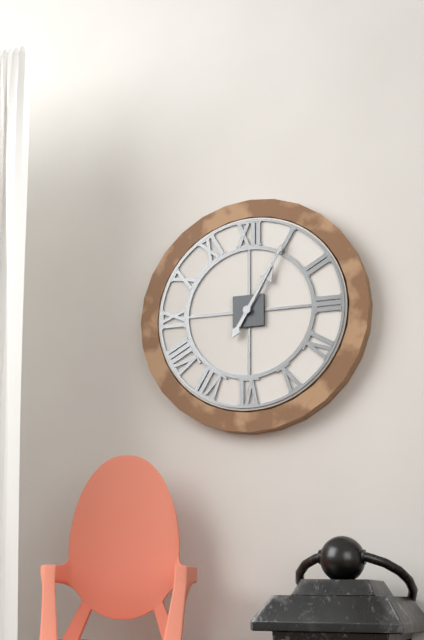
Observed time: 1:05
